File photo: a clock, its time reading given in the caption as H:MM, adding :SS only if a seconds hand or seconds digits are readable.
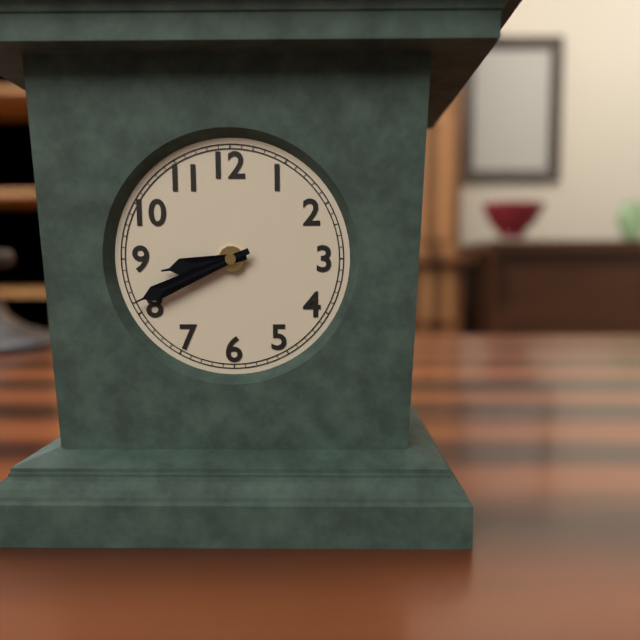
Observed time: 8:41
